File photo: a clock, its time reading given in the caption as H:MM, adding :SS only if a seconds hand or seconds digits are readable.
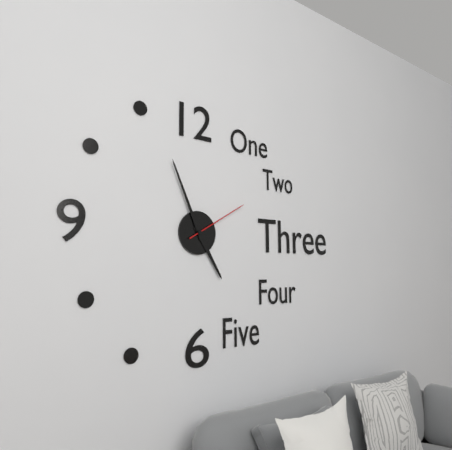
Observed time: 4:56:10
